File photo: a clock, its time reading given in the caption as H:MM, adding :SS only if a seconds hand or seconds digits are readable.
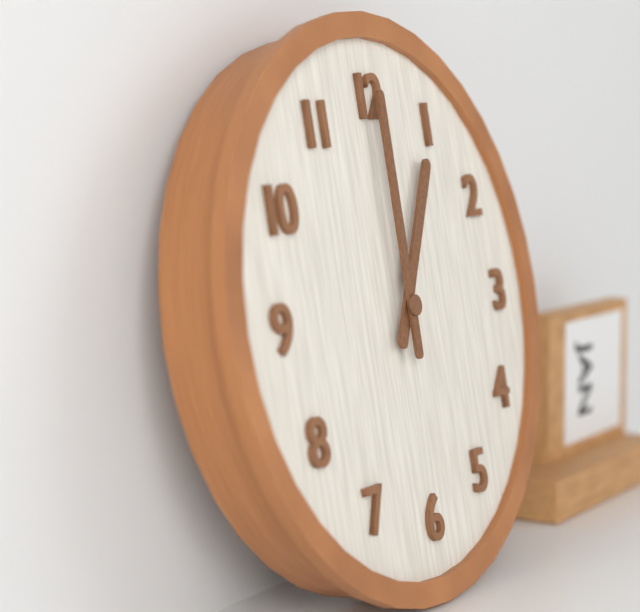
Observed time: 1:00
